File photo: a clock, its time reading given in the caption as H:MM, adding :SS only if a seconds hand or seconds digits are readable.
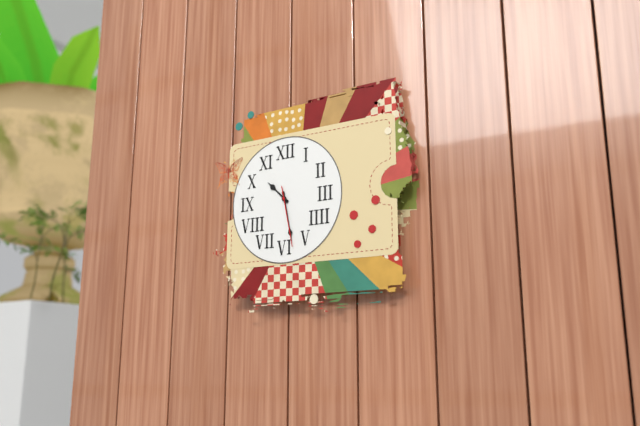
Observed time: 10:28:28
